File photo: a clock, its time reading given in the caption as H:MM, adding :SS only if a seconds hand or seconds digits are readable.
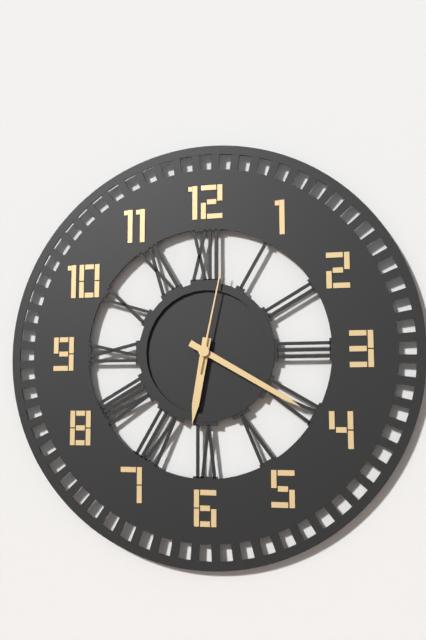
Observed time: 6:20:02
